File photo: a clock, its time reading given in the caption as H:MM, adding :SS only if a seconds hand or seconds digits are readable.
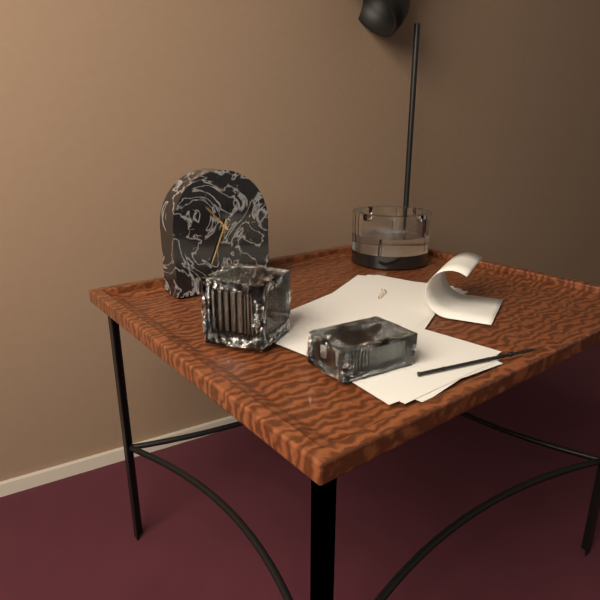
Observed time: 10:34
